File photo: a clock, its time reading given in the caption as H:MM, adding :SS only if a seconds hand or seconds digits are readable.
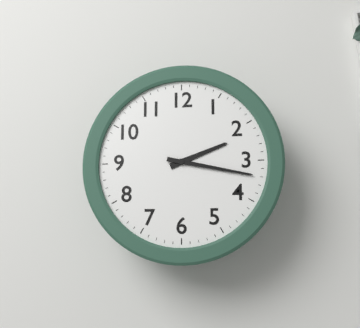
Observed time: 2:17
